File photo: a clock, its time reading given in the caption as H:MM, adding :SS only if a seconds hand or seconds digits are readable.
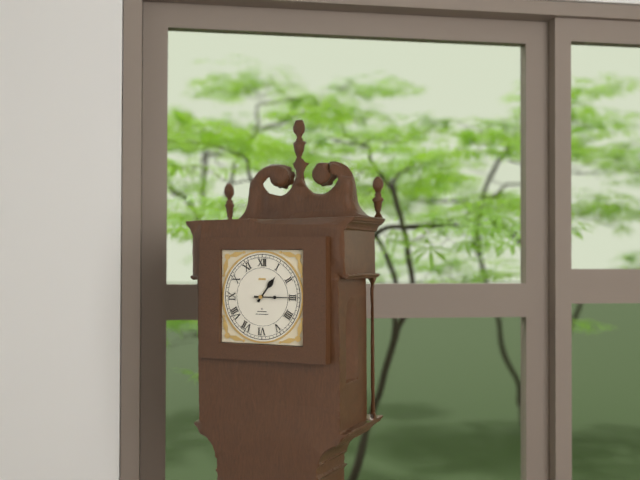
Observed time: 1:15
